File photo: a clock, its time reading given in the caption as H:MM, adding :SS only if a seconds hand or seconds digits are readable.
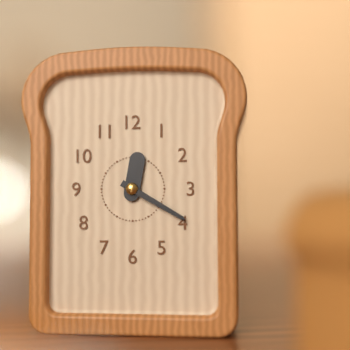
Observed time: 12:20
